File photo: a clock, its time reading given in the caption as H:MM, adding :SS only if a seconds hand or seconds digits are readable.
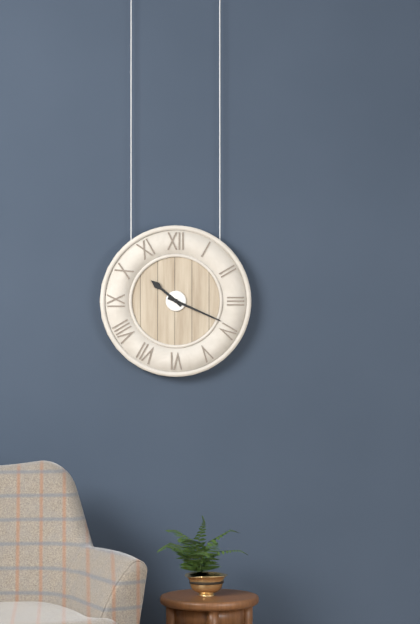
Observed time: 10:19
